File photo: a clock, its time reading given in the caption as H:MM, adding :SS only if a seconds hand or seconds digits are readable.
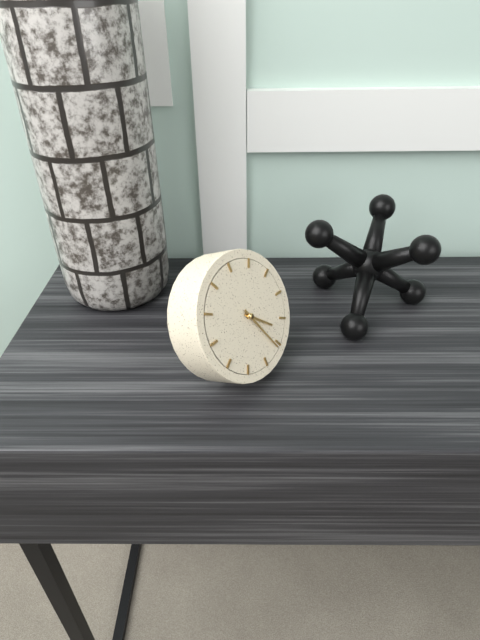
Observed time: 4:26
